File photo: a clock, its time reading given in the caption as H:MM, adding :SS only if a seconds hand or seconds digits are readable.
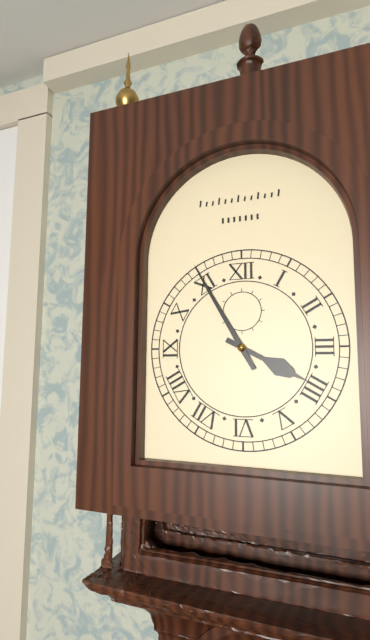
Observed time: 3:55
